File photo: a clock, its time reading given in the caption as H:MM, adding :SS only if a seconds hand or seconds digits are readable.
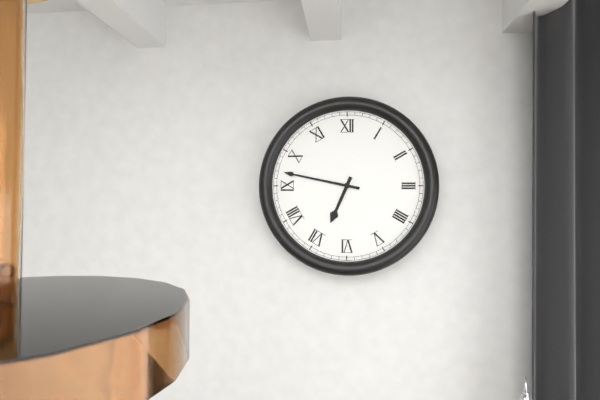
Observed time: 6:47
